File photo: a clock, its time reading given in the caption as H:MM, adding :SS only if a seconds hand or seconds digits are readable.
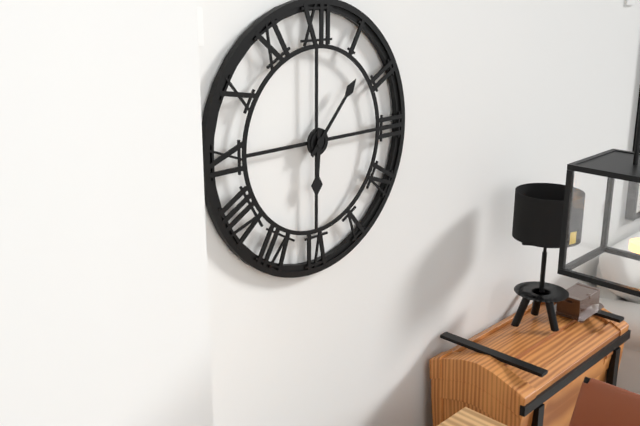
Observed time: 6:07
